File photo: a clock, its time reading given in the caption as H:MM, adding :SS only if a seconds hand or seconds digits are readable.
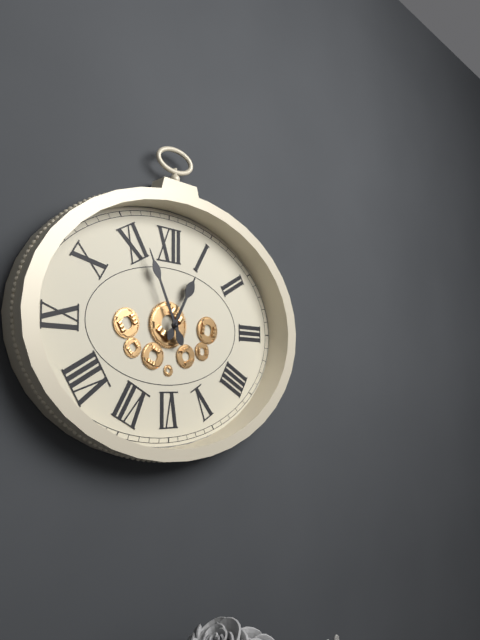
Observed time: 12:56
